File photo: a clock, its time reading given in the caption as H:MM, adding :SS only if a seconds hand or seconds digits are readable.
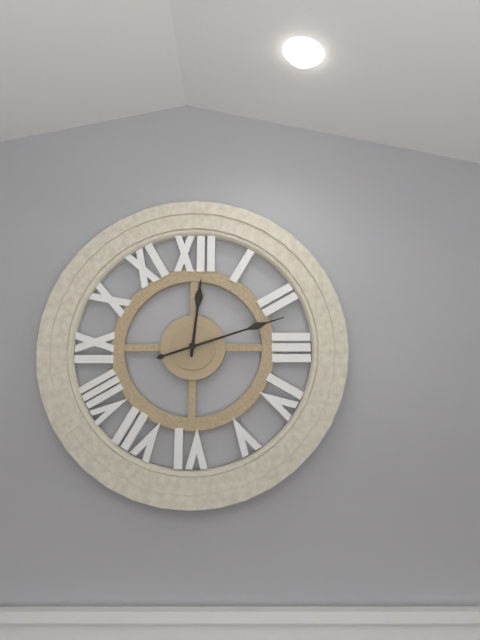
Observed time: 12:12
